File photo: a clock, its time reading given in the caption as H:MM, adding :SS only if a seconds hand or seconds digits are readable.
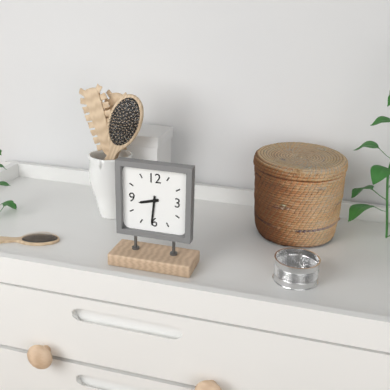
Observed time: 8:31
